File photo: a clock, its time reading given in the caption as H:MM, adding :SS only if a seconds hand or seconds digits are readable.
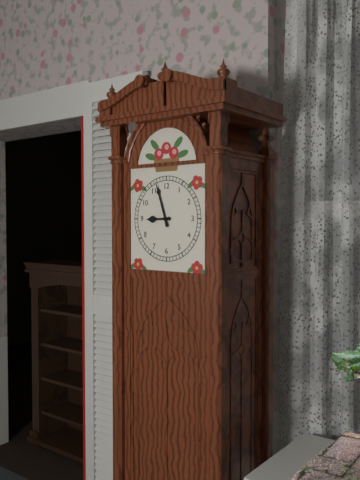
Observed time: 8:57
